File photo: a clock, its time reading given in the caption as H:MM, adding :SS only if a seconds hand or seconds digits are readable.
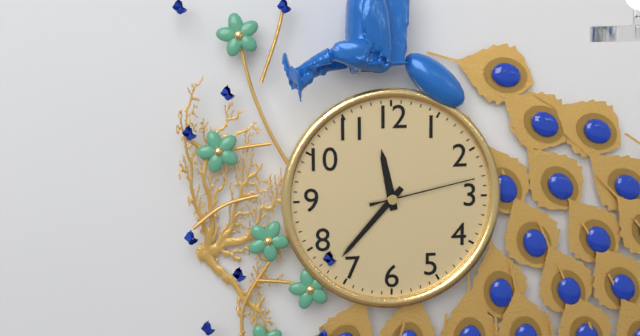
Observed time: 11:37:13
